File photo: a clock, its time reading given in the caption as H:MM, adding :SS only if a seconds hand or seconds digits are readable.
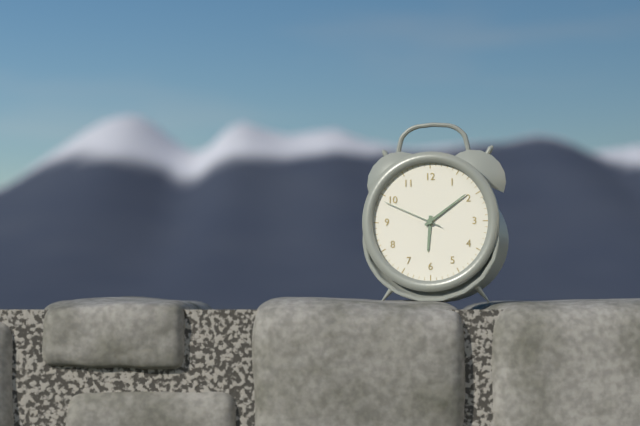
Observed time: 6:09:49
